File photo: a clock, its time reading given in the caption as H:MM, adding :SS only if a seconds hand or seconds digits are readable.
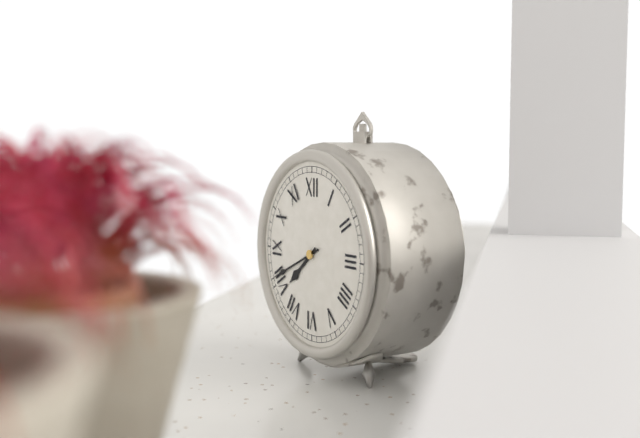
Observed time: 7:41
